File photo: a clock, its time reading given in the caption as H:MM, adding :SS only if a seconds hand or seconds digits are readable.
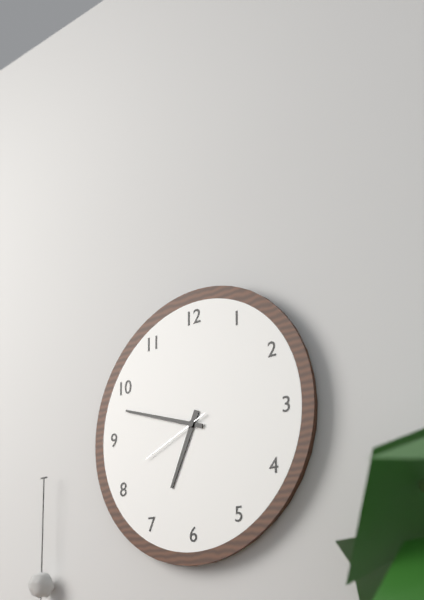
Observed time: 6:48:41
